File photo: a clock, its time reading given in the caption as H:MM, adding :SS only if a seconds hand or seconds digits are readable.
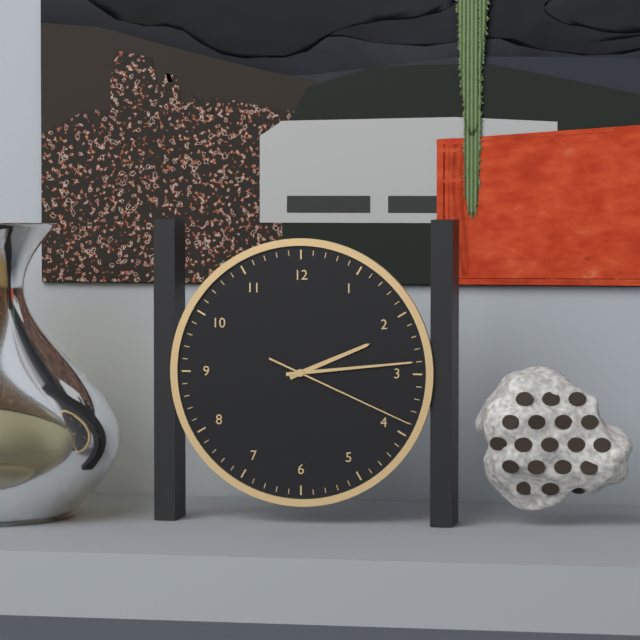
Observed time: 2:14:19
